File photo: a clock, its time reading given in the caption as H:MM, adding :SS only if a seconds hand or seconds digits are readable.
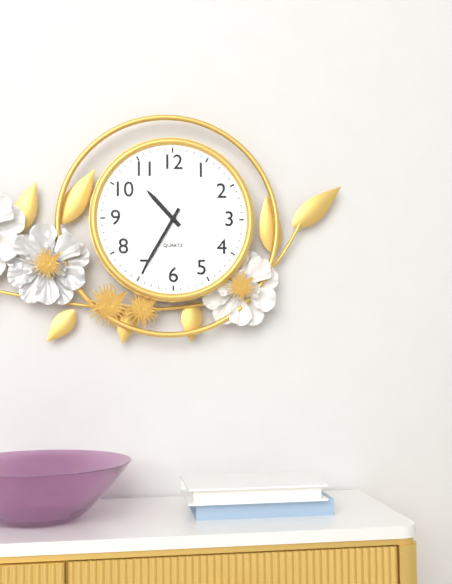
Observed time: 10:35
